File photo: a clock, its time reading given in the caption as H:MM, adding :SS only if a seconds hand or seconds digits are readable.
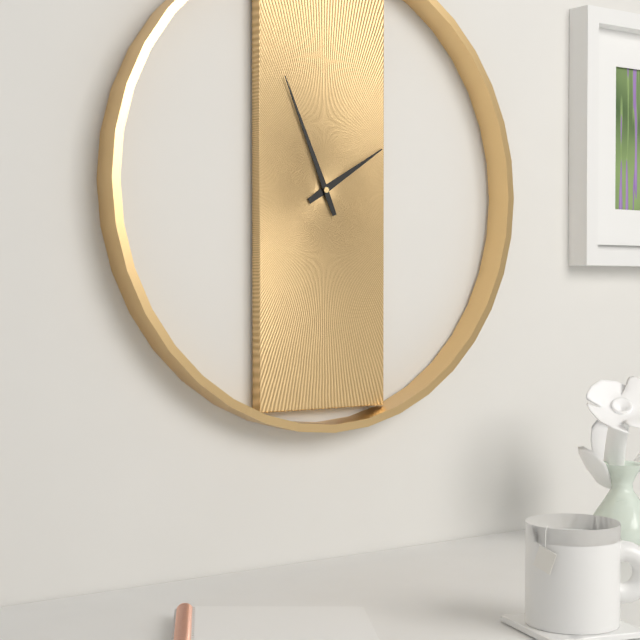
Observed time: 1:56
